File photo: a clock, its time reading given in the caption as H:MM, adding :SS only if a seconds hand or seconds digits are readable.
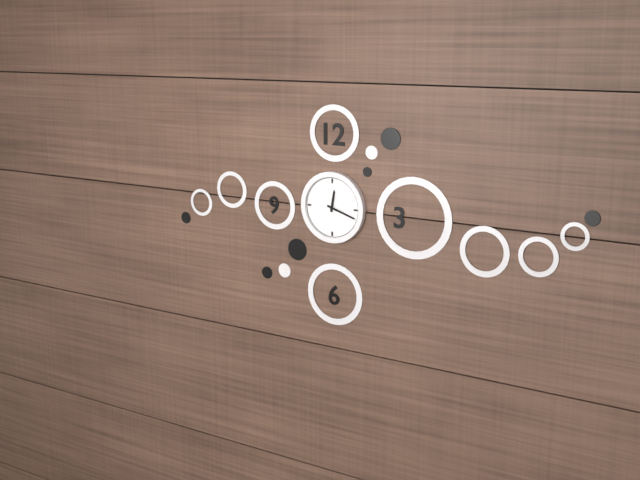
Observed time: 12:18
